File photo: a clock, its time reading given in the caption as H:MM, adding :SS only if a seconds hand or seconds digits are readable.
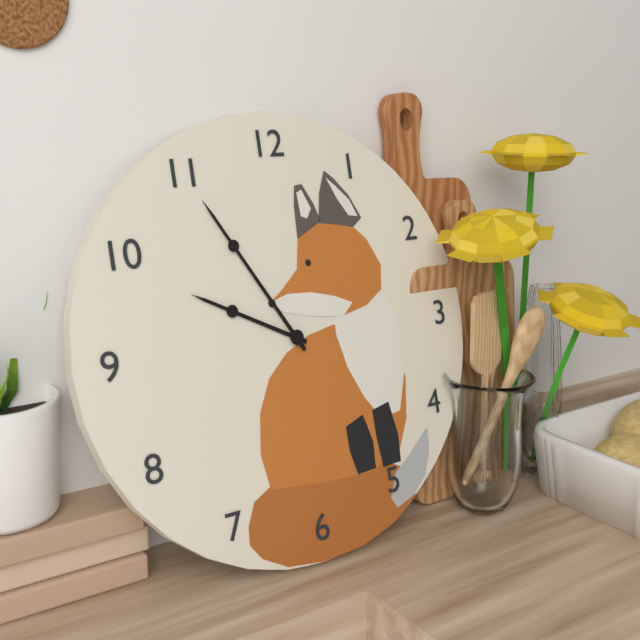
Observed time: 9:55
